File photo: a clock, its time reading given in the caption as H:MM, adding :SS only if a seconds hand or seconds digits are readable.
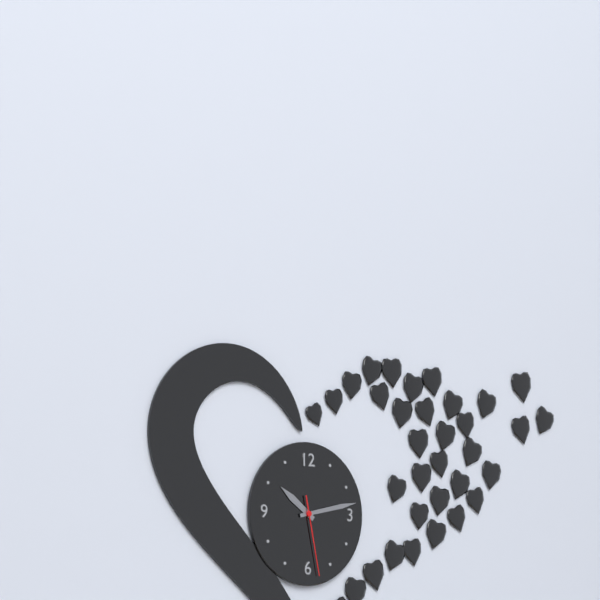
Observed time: 10:13:28
